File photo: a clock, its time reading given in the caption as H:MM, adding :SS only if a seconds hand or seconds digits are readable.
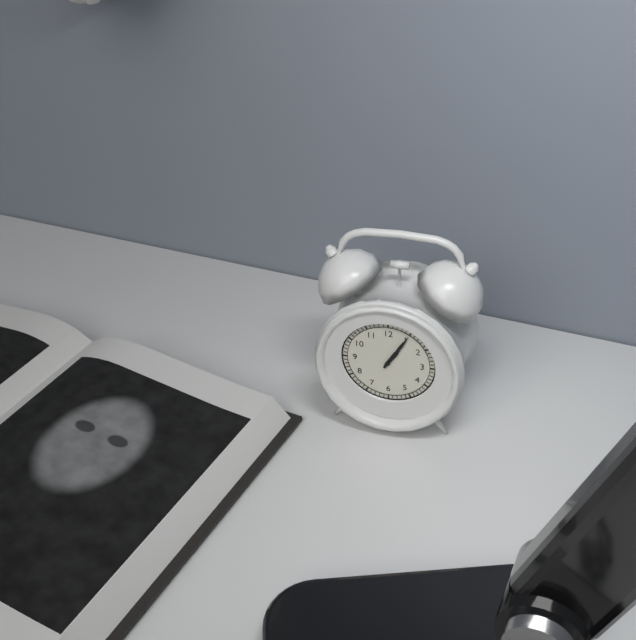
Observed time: 1:05
